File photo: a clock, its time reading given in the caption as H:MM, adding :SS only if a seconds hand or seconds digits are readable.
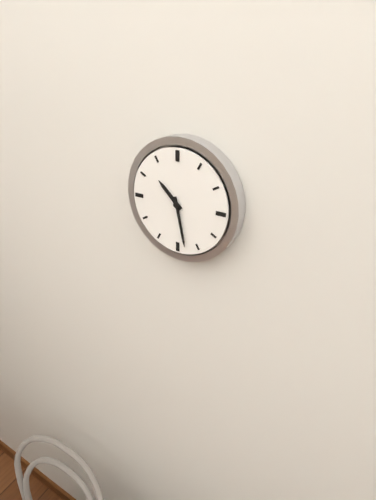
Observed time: 10:28
